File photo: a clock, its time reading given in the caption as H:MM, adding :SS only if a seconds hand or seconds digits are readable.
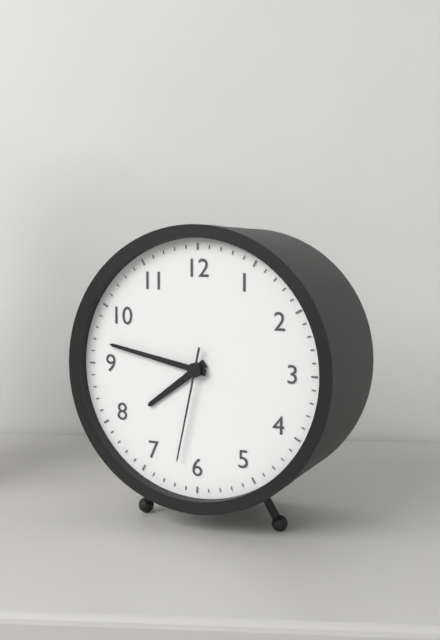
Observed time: 7:47:32
